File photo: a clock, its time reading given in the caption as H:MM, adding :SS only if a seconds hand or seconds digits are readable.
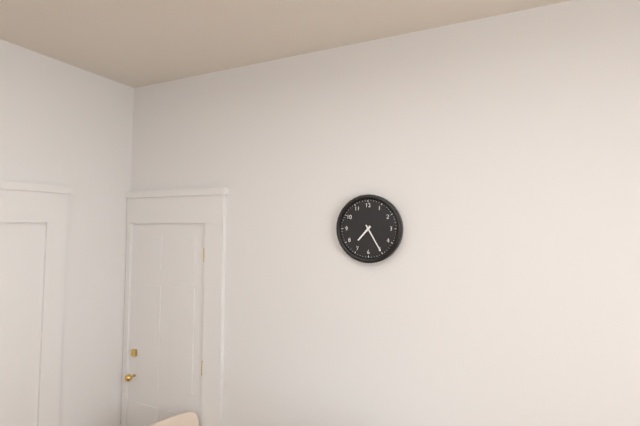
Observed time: 7:25
